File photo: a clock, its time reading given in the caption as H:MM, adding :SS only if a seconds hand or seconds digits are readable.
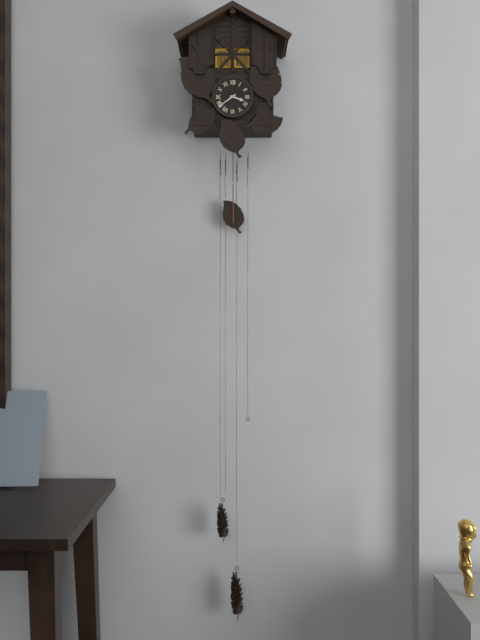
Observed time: 3:39
